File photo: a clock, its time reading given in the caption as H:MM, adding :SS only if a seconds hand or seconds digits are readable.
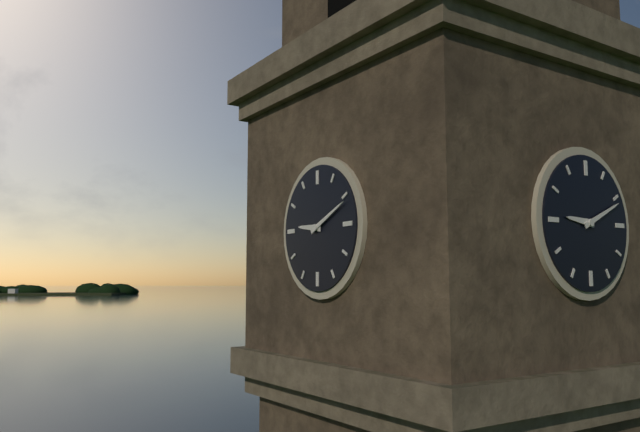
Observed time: 9:11
